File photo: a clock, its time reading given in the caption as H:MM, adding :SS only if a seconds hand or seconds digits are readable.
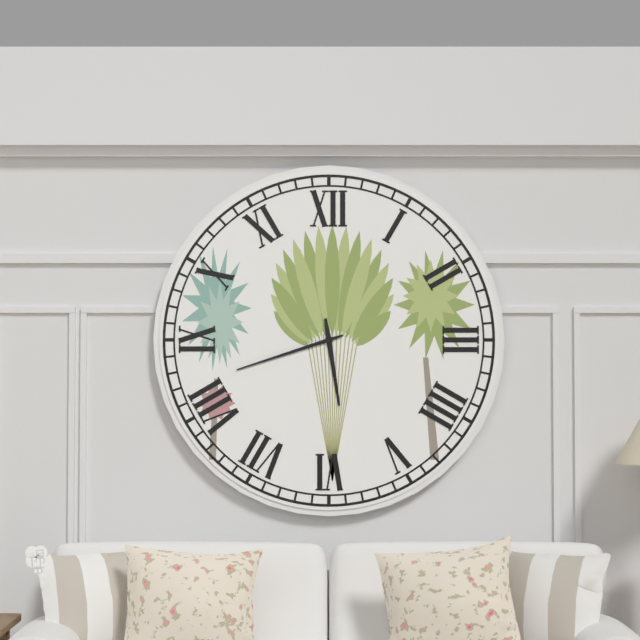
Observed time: 5:42
